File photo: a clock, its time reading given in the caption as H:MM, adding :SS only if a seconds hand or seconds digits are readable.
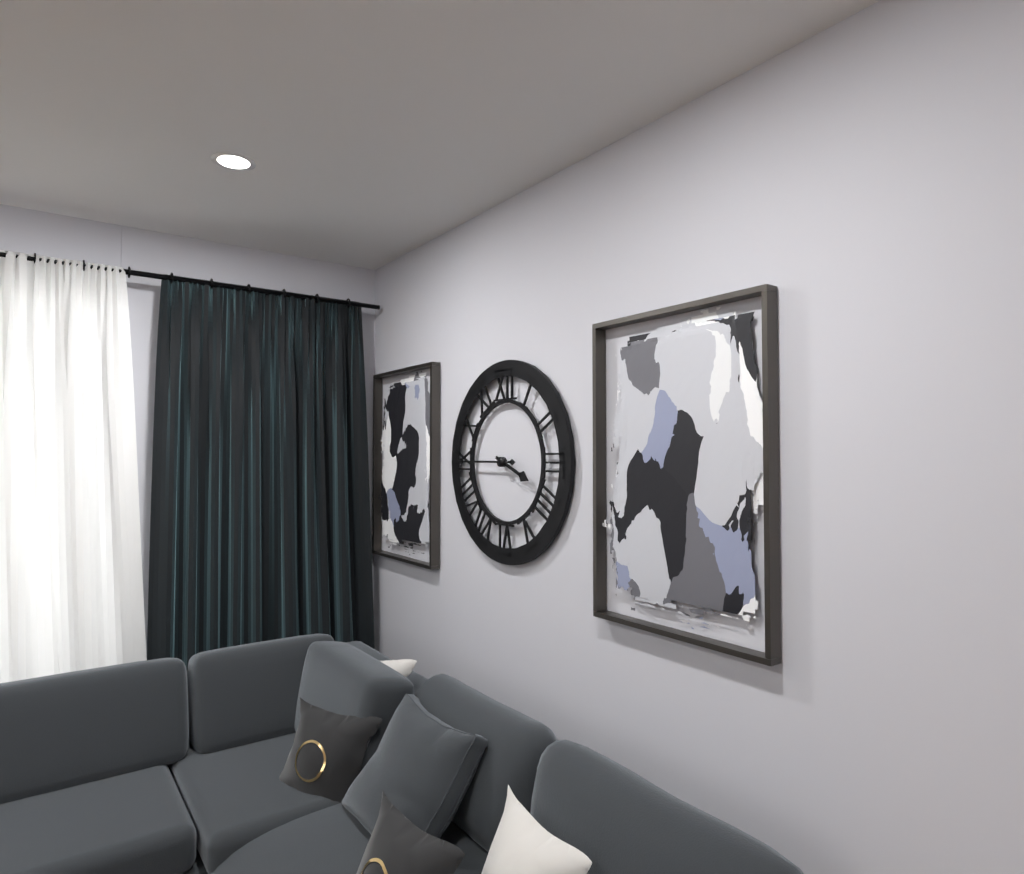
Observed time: 3:45
